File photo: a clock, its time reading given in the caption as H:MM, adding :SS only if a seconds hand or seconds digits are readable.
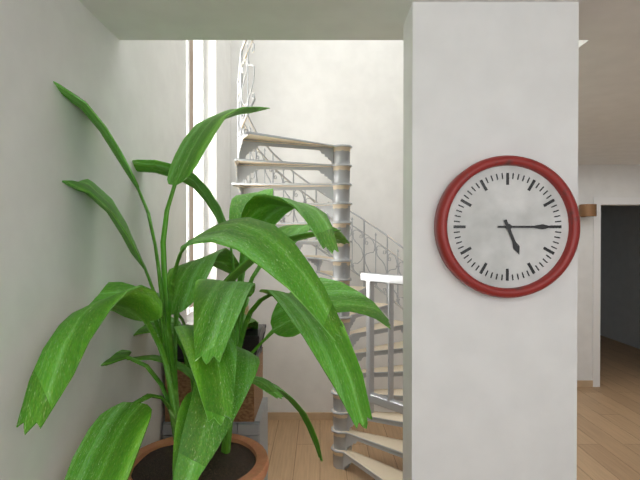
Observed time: 5:15
